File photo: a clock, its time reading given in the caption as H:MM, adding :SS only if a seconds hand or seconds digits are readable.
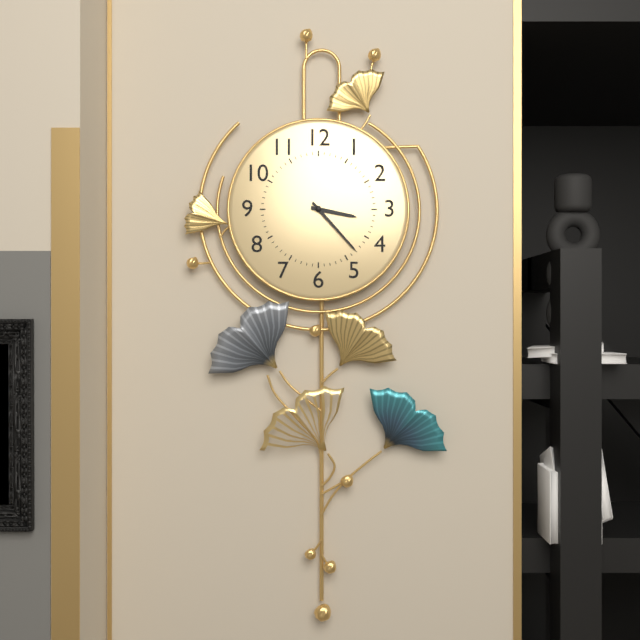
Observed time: 3:23
